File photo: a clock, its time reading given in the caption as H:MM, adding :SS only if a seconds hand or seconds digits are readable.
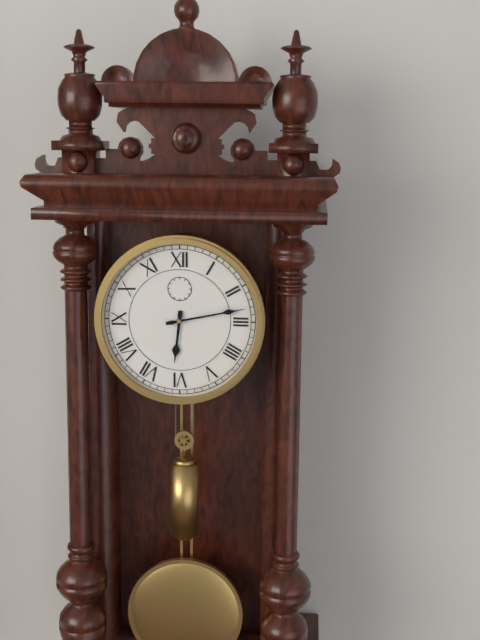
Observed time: 6:13
